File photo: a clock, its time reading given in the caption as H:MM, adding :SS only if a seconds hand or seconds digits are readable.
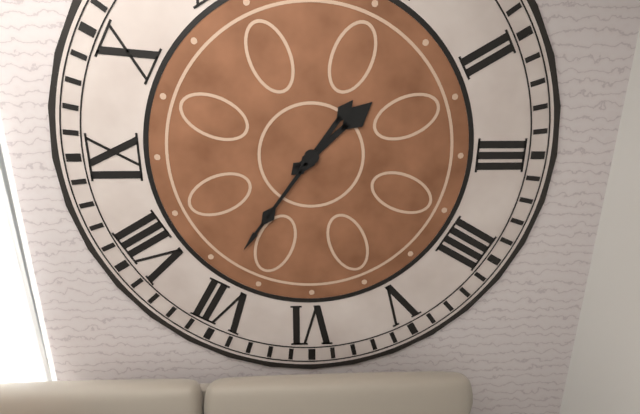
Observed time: 1:36
